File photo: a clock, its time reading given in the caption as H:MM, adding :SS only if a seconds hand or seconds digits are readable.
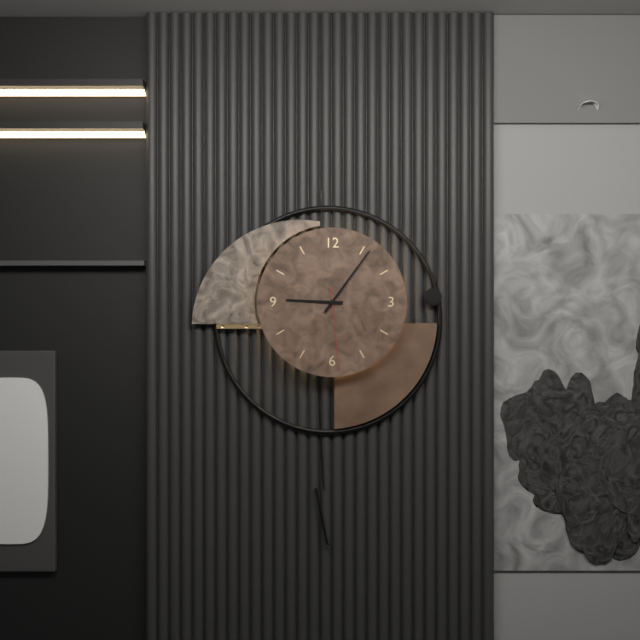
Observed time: 9:06:29
